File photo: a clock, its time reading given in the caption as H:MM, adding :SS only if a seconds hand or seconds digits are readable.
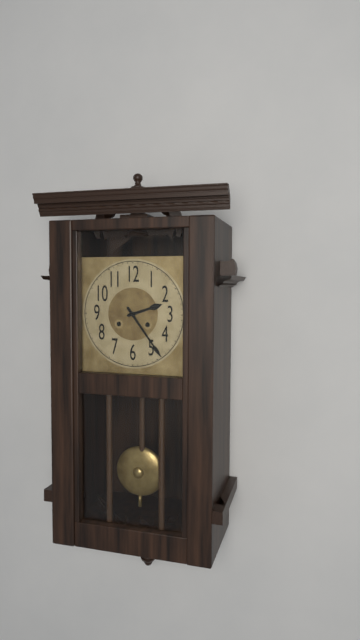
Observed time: 2:24
